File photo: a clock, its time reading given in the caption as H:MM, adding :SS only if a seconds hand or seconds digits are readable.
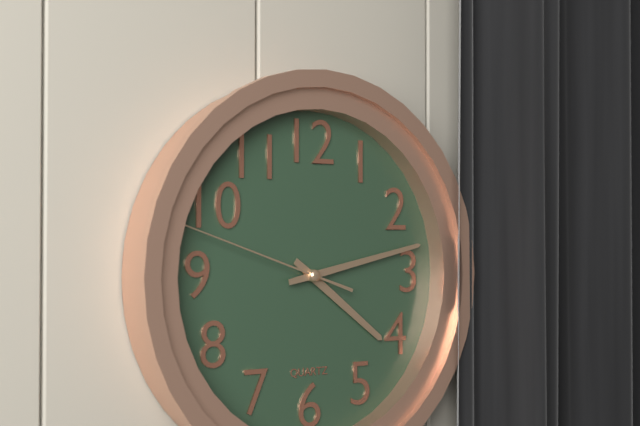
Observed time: 4:13:48
